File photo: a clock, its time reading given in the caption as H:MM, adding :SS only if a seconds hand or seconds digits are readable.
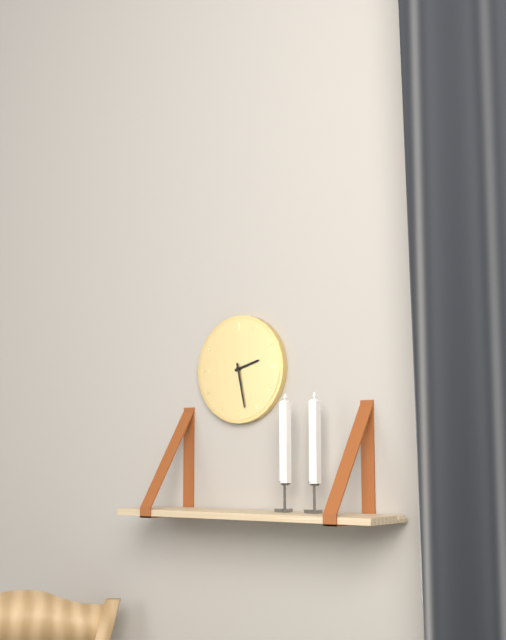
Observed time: 2:28
